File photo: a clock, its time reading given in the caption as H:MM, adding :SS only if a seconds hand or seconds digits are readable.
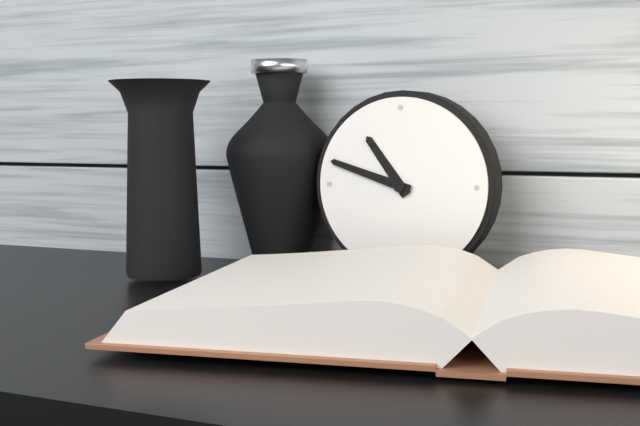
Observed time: 10:48
